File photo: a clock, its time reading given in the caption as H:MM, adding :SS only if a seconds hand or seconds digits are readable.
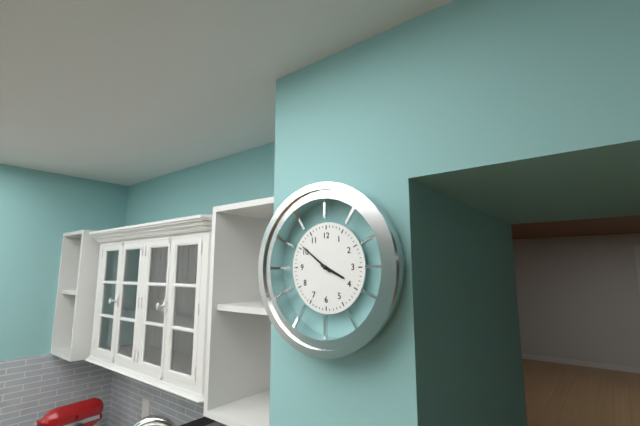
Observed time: 3:51
